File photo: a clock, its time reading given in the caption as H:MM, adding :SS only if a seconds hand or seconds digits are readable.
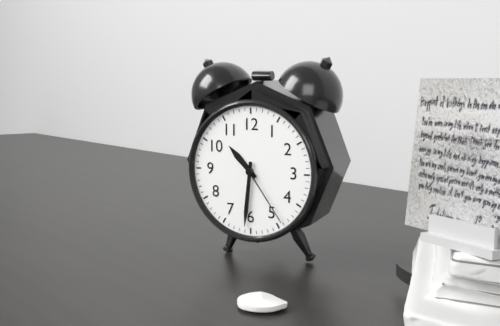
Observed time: 10:31:24
